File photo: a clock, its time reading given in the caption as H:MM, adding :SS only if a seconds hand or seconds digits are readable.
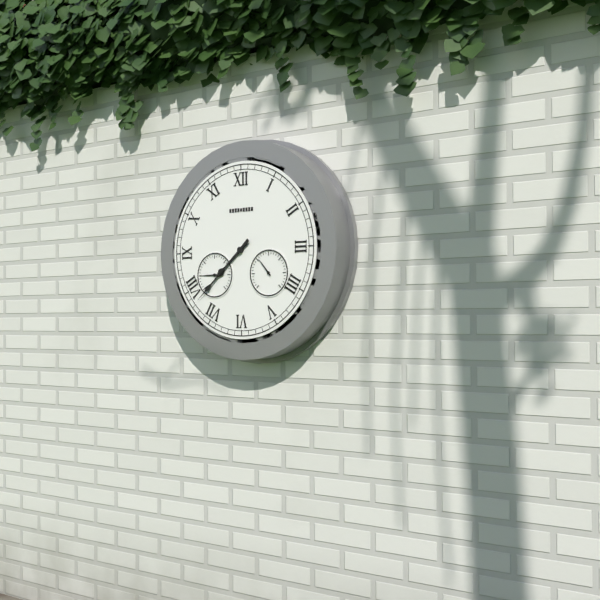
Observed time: 7:38
